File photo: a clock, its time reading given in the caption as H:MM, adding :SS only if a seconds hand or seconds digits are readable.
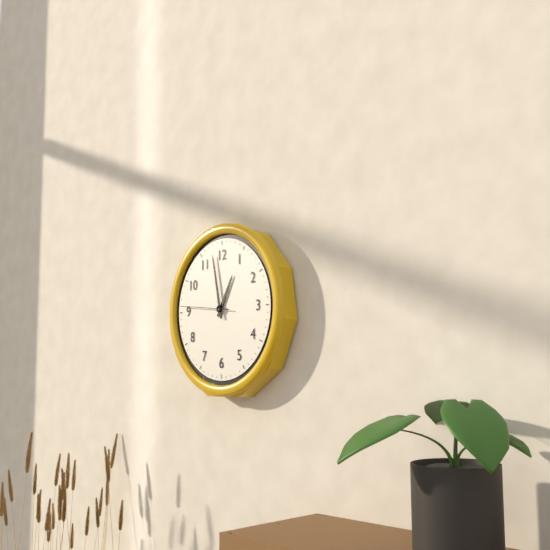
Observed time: 12:58
